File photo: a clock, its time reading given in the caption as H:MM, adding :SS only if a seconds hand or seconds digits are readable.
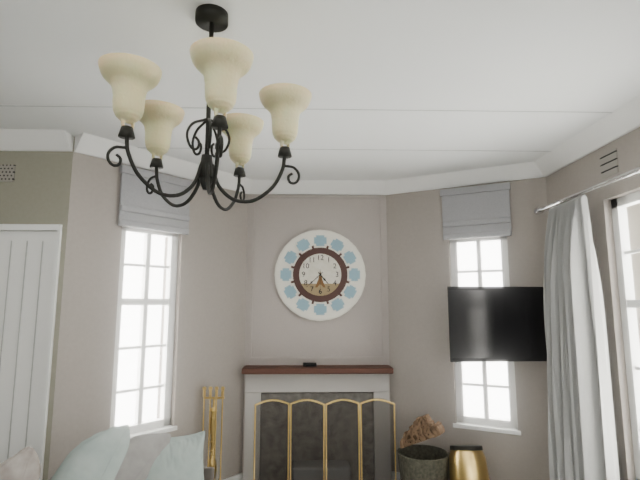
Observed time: 4:38
